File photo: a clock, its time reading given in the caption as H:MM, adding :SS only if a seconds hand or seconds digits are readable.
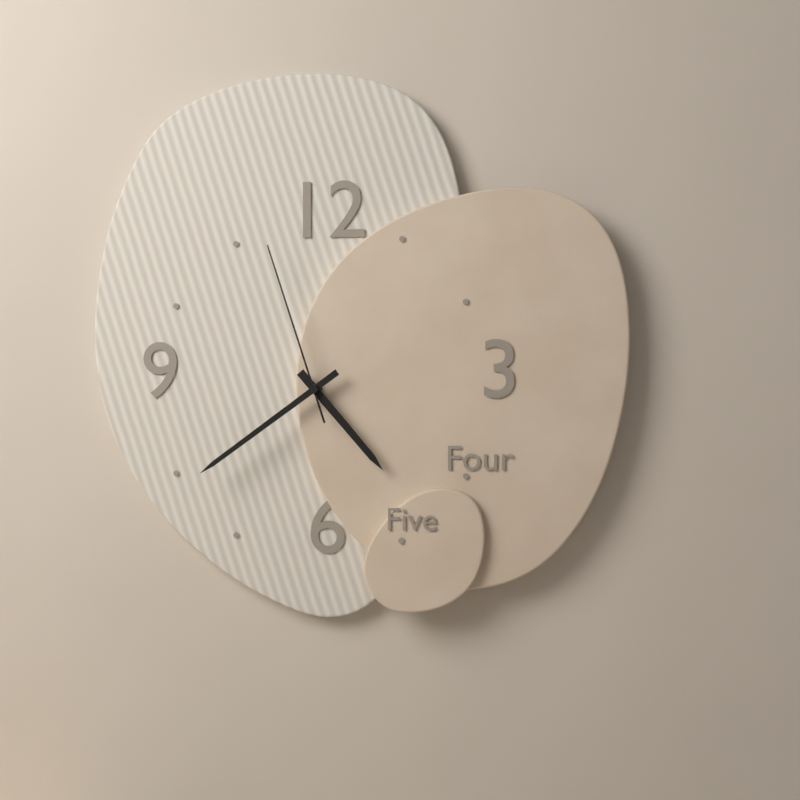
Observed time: 4:39:57
